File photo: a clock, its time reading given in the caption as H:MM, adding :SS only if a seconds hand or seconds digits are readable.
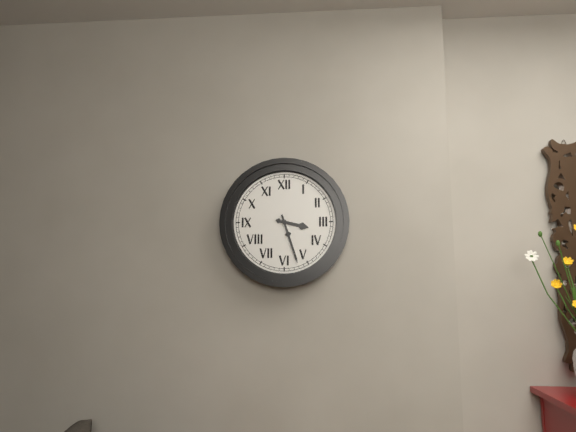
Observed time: 3:27
